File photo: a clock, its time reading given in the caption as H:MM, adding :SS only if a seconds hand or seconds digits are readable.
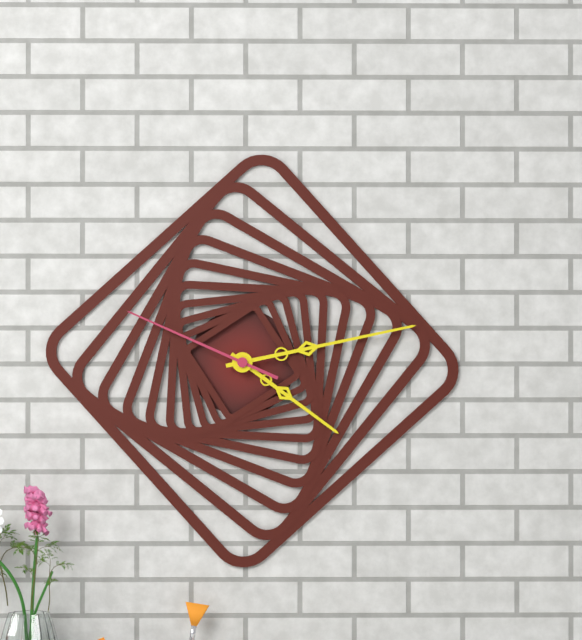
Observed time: 4:13:49
